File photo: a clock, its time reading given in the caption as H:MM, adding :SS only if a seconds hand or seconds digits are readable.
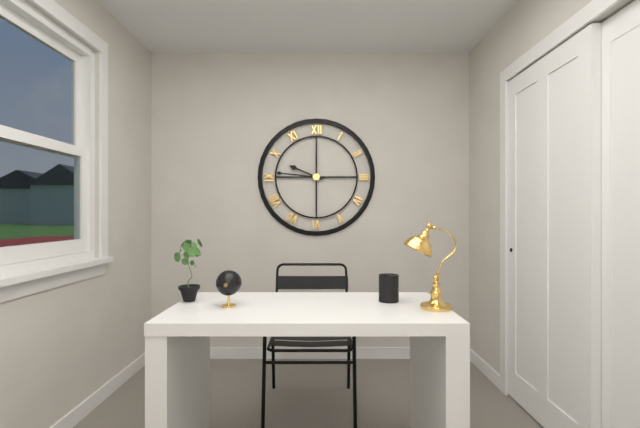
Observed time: 9:46
